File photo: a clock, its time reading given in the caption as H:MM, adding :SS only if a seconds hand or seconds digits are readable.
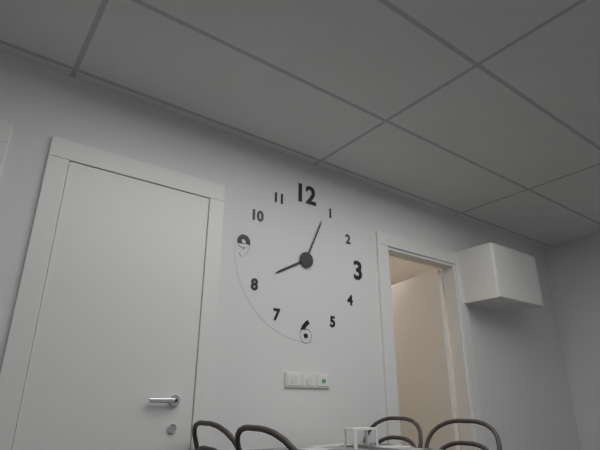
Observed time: 8:04
